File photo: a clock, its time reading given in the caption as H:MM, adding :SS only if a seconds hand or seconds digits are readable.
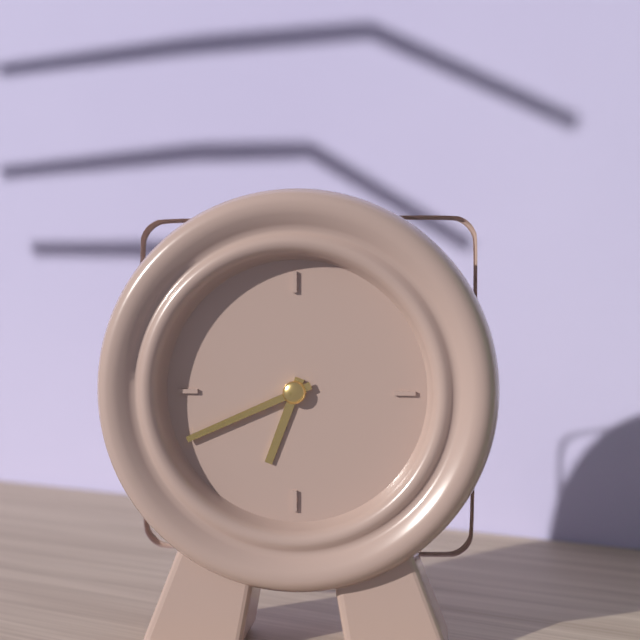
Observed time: 6:41
